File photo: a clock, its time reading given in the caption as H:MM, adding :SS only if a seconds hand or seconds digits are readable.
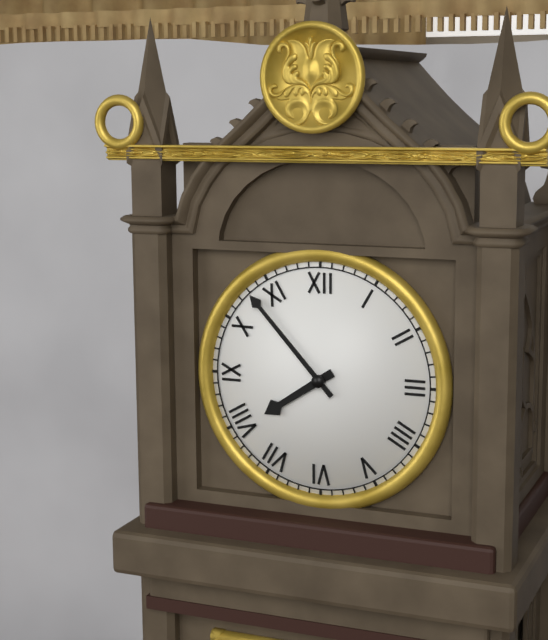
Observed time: 7:53
